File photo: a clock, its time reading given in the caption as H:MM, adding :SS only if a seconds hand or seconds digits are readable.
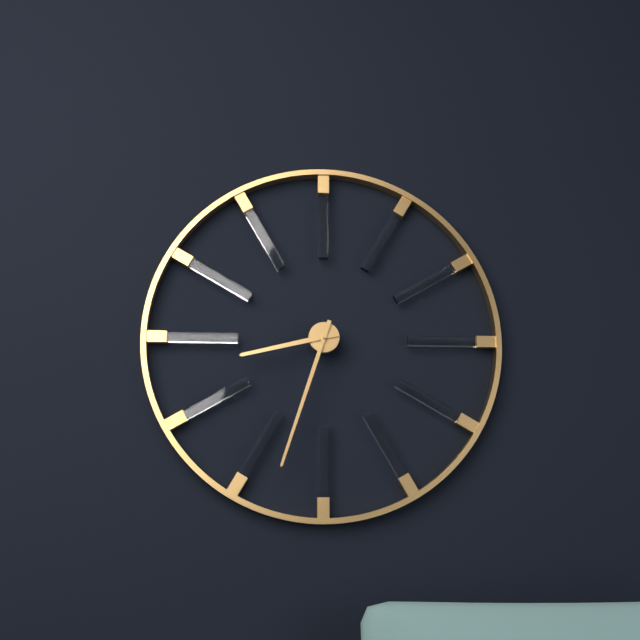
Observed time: 8:33
